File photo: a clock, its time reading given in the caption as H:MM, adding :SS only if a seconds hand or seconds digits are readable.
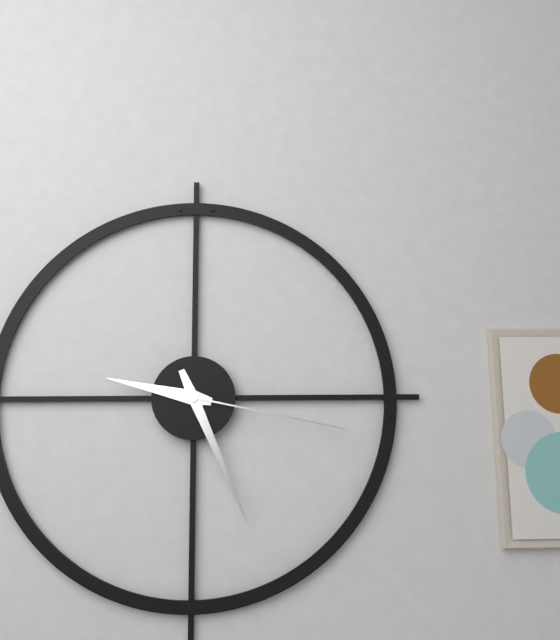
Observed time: 9:26:17
